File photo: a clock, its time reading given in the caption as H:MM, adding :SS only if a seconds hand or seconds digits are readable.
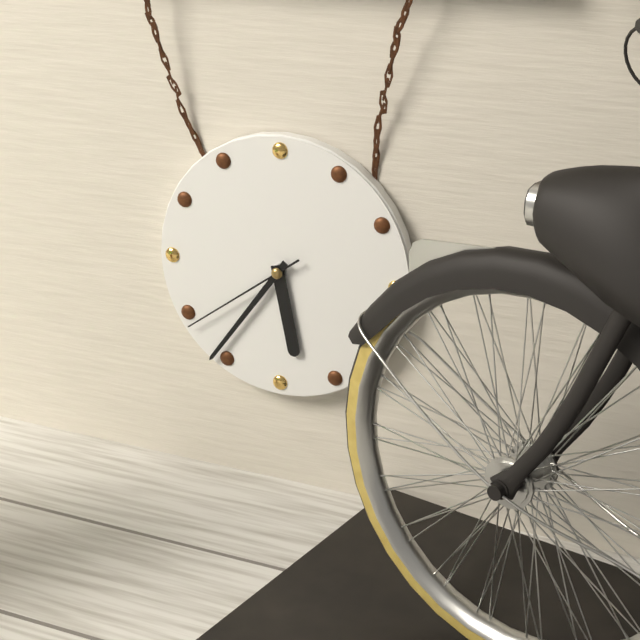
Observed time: 5:36:39
